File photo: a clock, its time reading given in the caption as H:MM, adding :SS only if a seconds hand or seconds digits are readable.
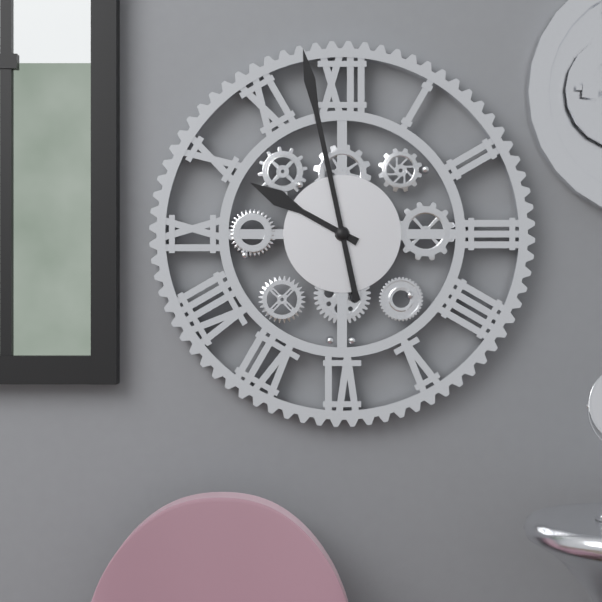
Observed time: 9:58
